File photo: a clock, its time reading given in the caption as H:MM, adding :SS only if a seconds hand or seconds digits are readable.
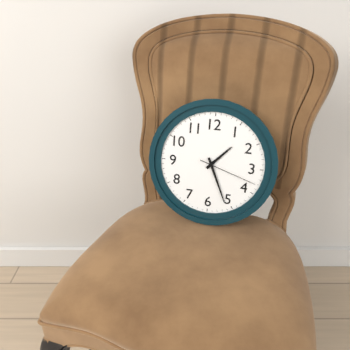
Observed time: 1:26:18
